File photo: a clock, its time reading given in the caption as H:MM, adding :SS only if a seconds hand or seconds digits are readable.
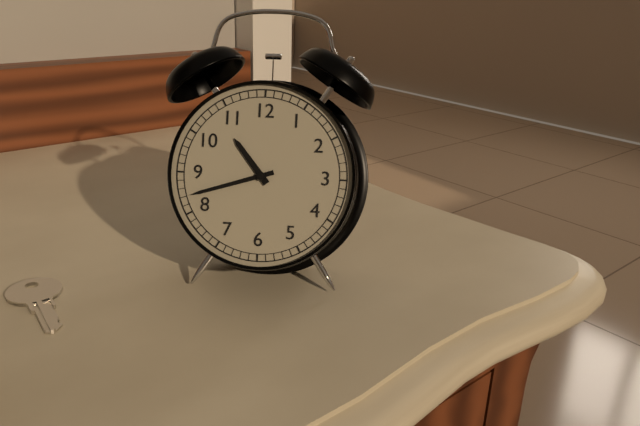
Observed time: 10:42
